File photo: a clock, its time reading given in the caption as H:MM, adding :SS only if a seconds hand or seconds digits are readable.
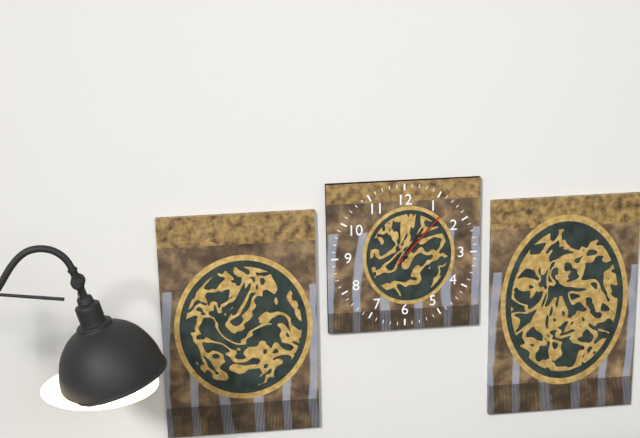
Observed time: 1:07:07
